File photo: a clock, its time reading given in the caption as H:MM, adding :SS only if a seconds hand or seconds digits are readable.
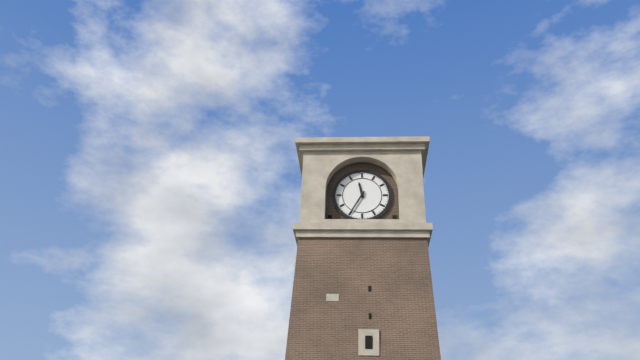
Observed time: 11:35
